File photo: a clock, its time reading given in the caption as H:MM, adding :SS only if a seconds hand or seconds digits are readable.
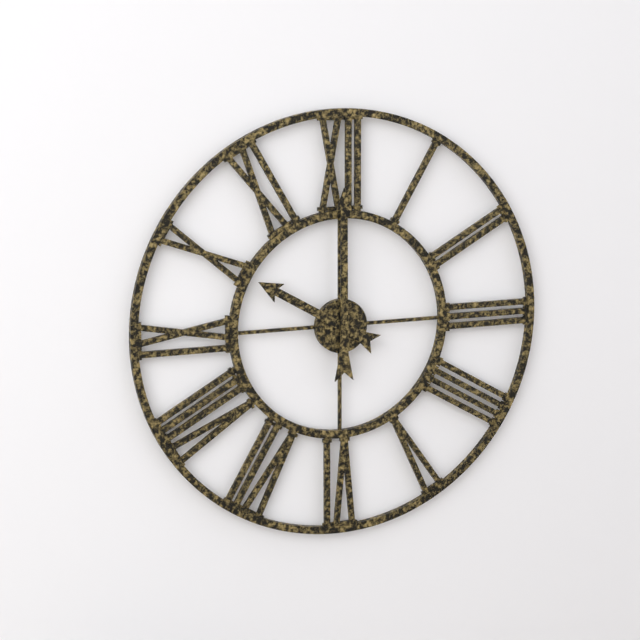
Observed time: 10:00
